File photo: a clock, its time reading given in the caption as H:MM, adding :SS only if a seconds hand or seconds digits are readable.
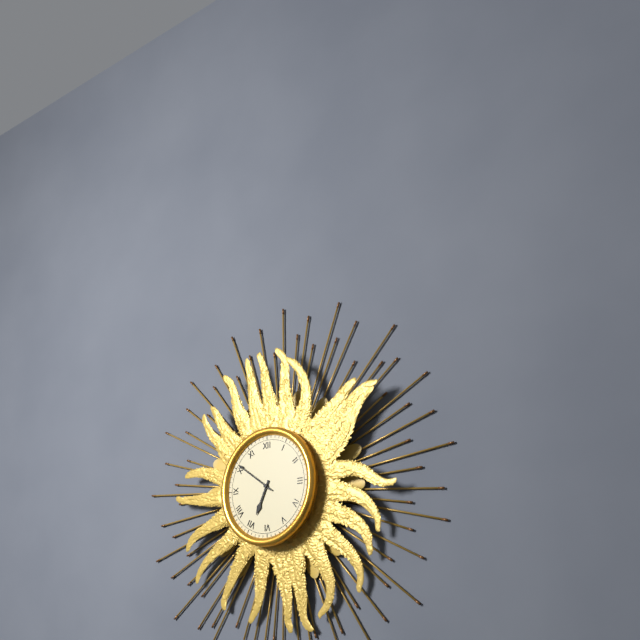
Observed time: 6:51
